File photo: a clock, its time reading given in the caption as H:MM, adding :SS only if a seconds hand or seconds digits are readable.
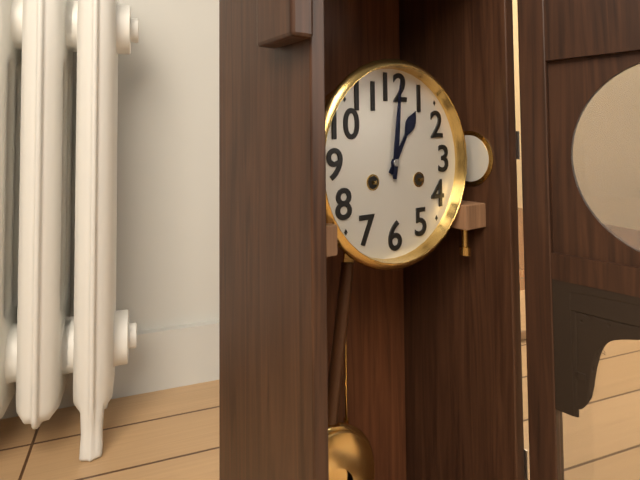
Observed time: 1:01
